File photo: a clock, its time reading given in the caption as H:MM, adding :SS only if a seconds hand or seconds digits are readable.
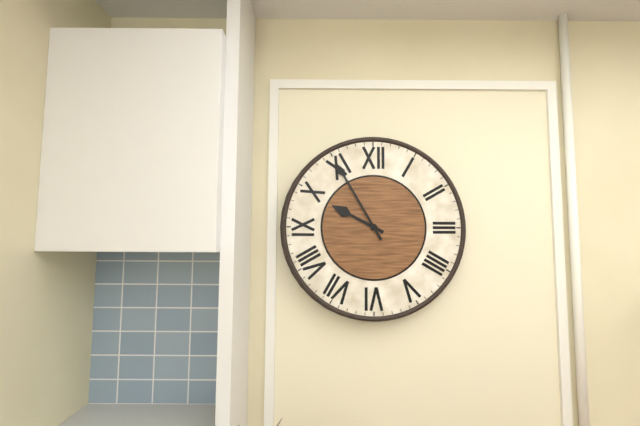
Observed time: 9:55
